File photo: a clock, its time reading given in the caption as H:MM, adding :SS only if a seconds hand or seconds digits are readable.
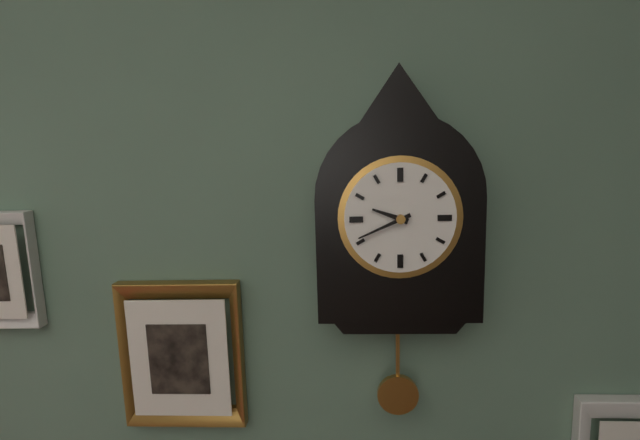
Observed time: 9:41
